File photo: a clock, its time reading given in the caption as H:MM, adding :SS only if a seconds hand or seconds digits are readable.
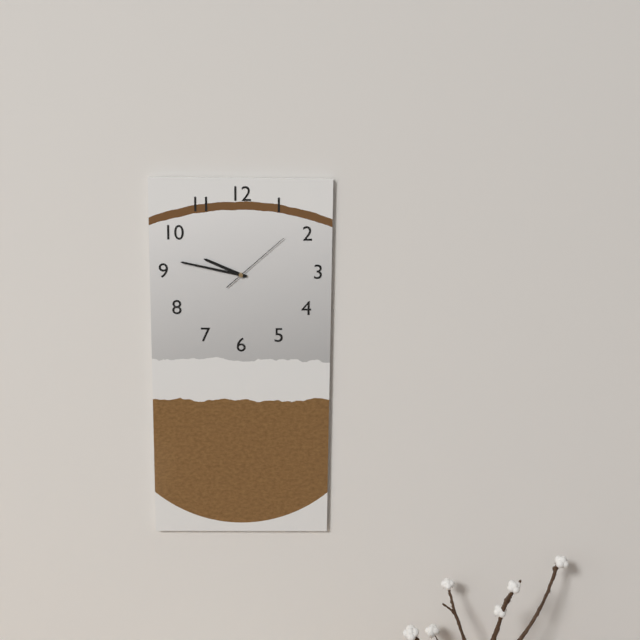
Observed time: 9:47:08
